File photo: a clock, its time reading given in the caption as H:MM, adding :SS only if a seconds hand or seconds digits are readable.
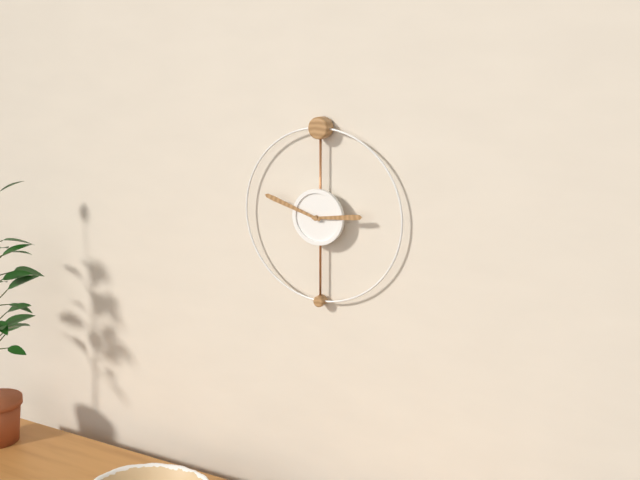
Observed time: 2:48
